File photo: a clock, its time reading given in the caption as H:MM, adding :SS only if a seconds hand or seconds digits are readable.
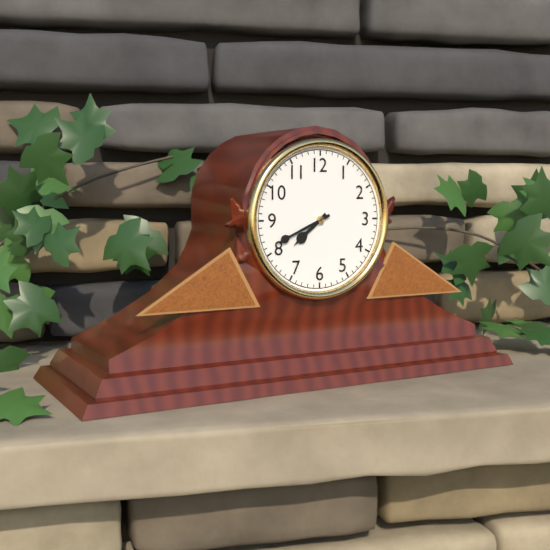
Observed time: 7:41
